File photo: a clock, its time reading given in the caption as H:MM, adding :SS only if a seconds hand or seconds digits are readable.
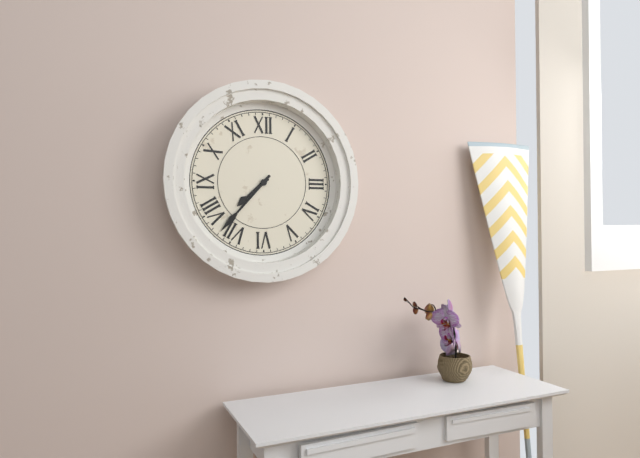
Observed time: 7:37
